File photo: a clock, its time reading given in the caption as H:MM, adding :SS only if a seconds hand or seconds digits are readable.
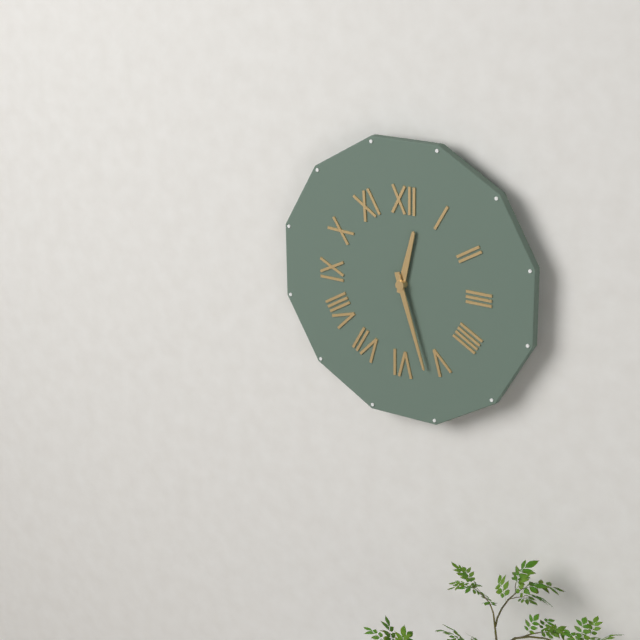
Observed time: 12:27
